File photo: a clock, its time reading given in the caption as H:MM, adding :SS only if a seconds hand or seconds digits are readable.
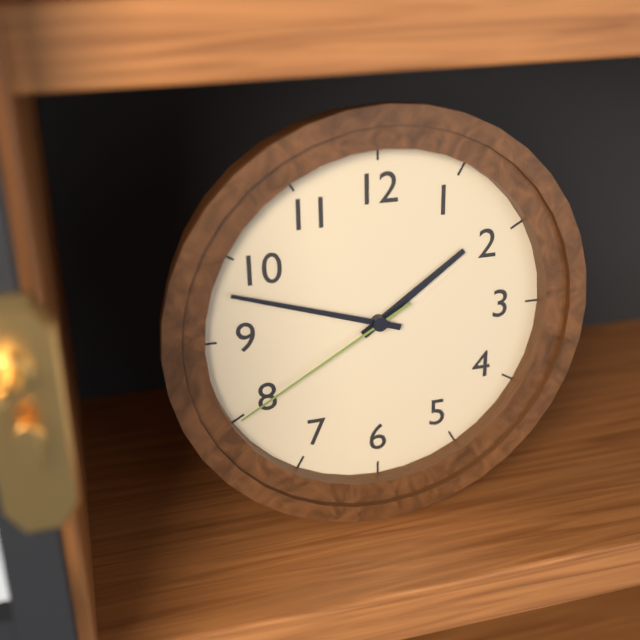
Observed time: 1:48:40
